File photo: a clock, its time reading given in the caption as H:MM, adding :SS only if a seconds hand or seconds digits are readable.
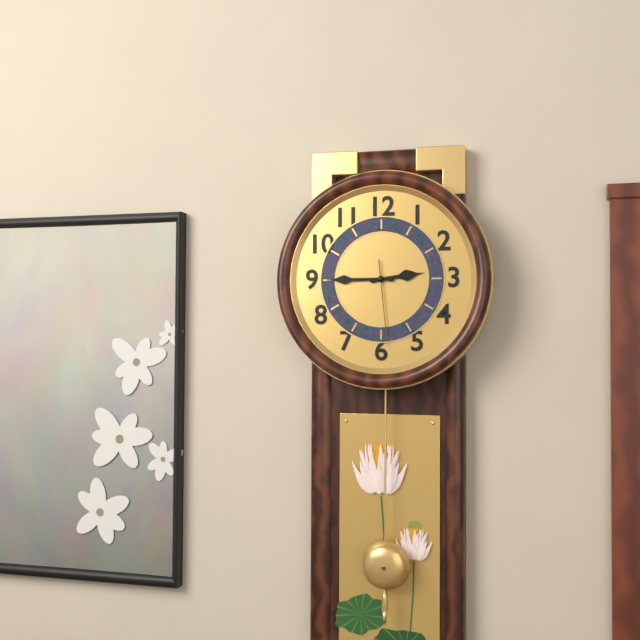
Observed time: 2:45:29
